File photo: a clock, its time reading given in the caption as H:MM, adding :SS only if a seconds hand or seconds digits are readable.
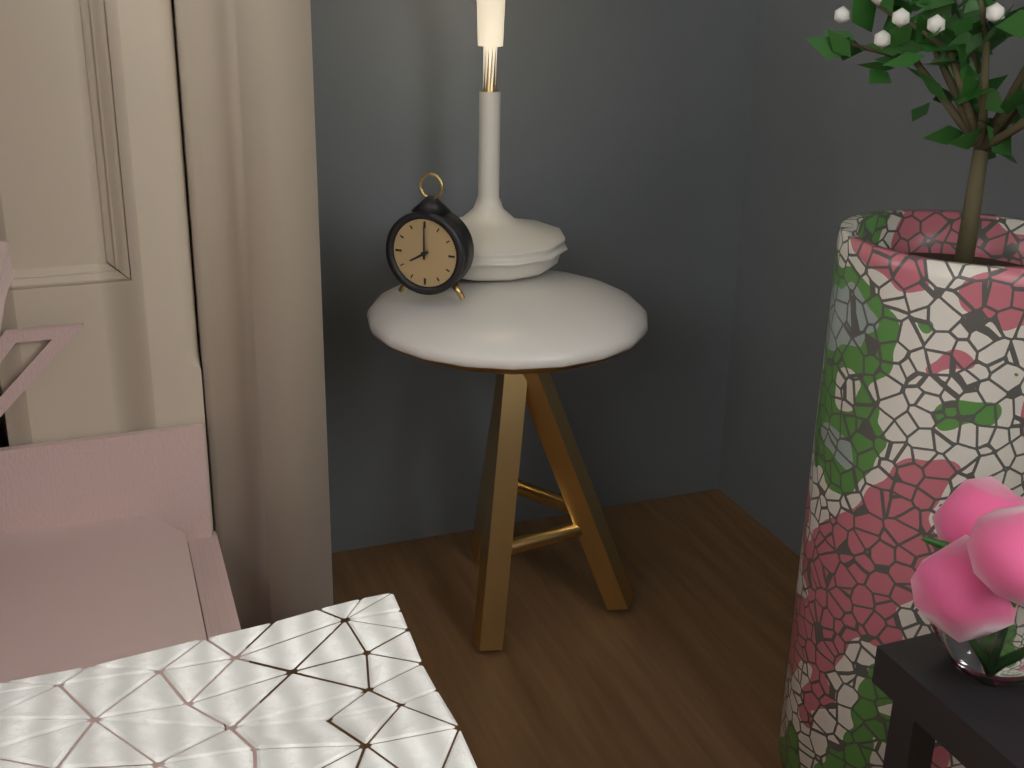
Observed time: 8:00
